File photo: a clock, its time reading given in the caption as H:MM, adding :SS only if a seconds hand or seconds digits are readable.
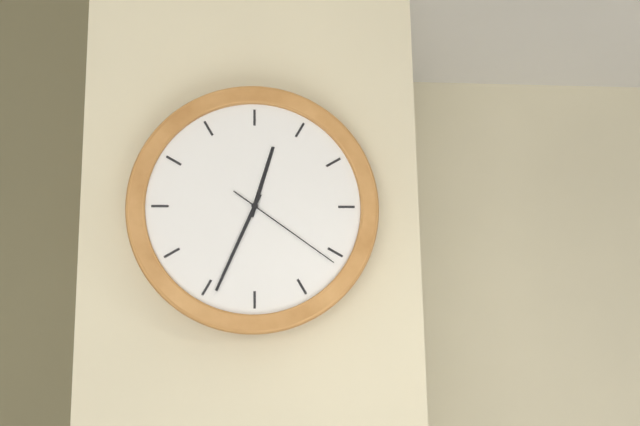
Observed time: 12:34:21
